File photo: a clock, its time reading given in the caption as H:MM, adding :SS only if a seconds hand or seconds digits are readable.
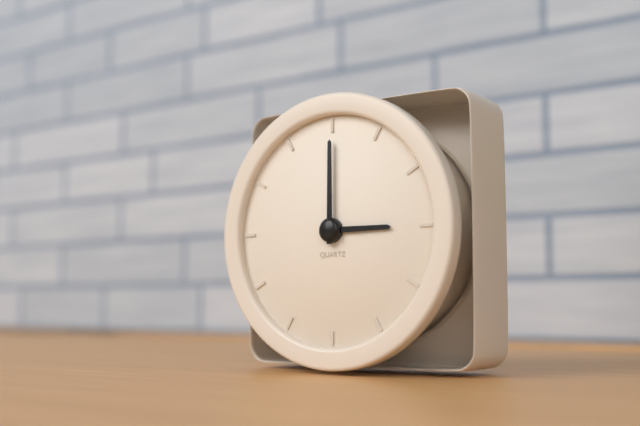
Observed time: 3:00
